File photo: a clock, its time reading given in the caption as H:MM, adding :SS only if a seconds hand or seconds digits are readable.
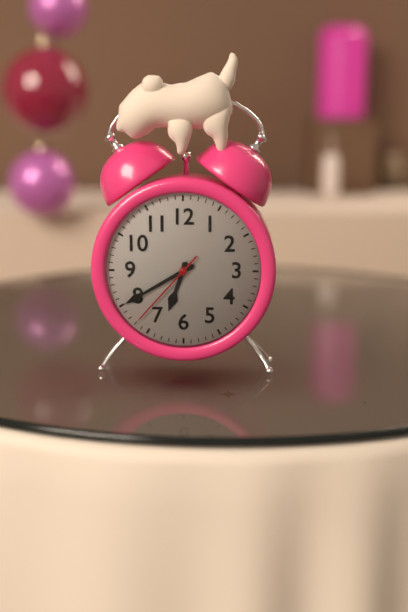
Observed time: 6:40:37
